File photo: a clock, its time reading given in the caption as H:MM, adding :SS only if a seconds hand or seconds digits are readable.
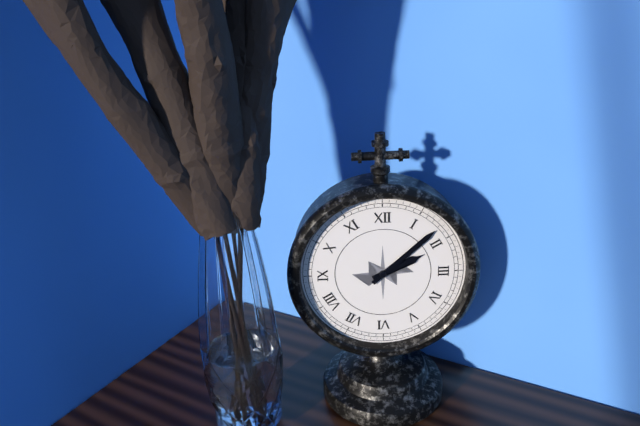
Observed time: 2:08
